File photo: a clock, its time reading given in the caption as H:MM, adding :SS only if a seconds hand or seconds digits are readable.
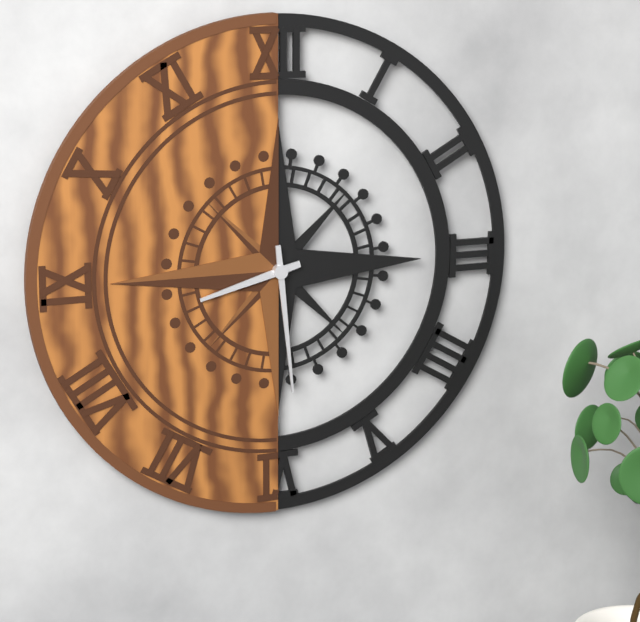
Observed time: 8:29
